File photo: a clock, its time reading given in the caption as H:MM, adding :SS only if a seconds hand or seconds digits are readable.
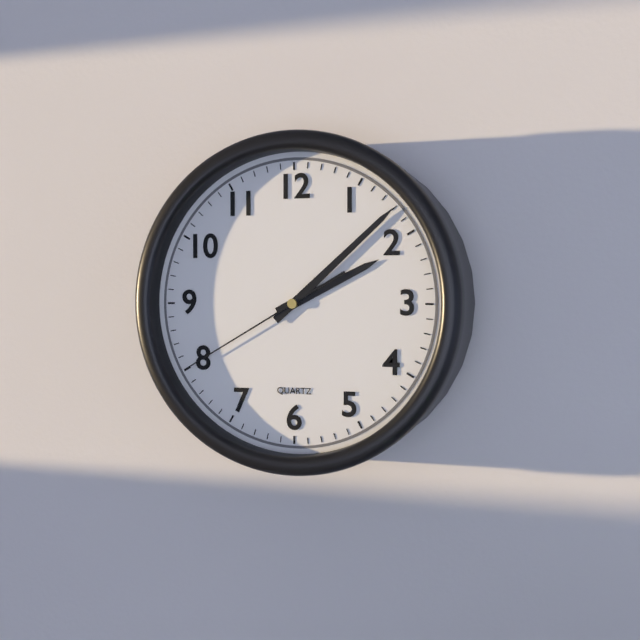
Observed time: 2:08:40
